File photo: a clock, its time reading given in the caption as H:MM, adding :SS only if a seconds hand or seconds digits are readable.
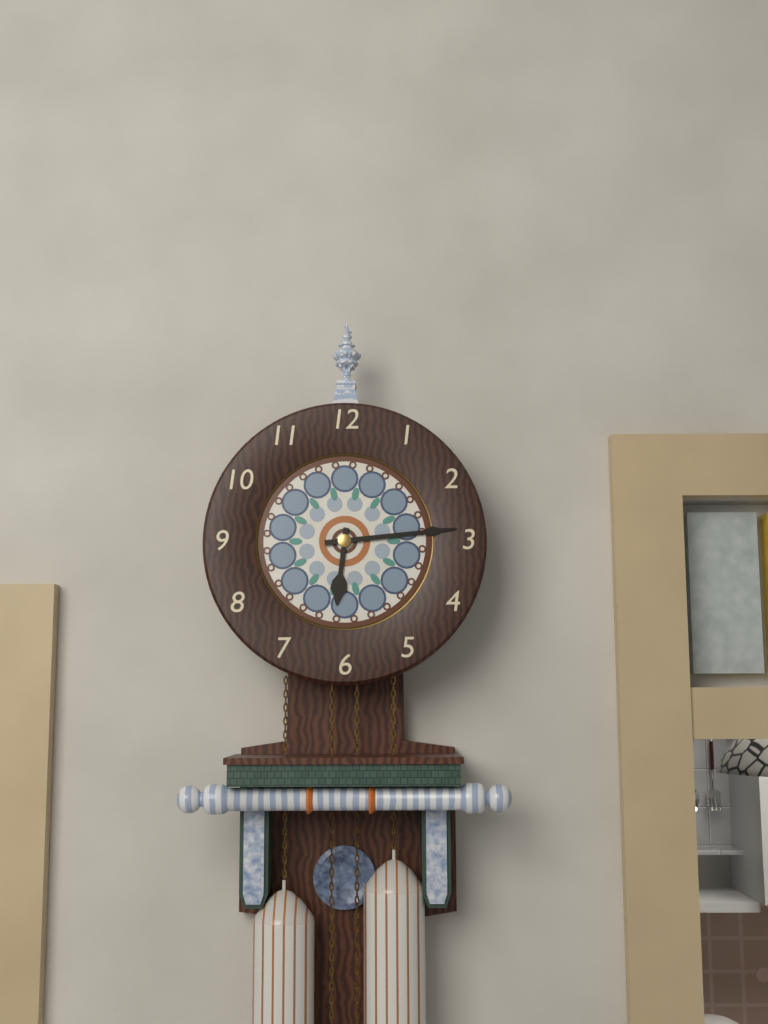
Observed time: 6:14
